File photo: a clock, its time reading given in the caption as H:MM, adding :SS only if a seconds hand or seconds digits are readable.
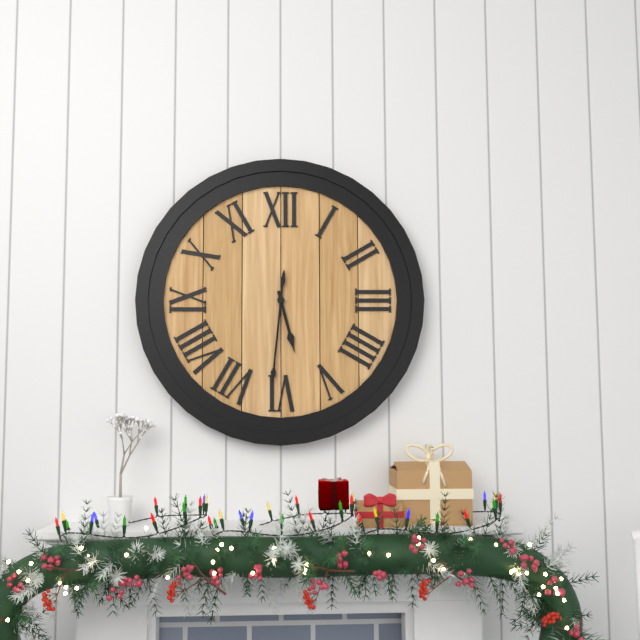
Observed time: 5:31
